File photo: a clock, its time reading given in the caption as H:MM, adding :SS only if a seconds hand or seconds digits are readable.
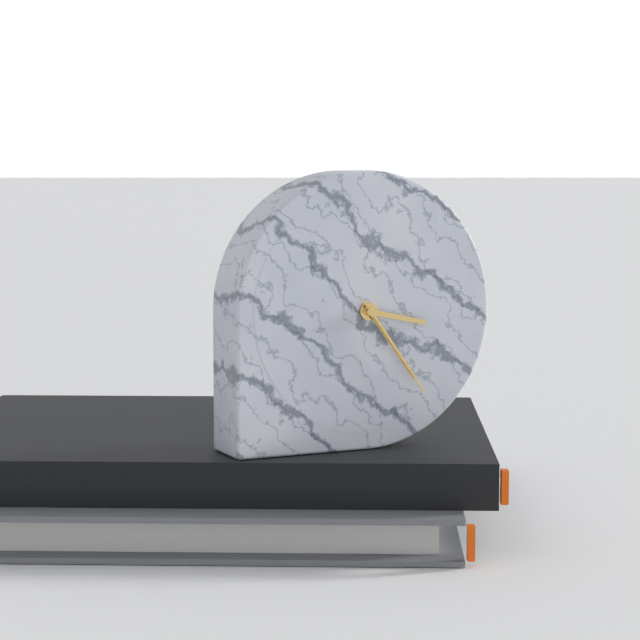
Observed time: 3:24:24
